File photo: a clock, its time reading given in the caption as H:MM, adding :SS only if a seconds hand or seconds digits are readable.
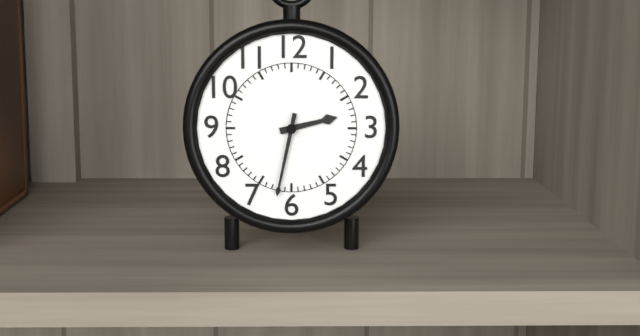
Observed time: 2:32
